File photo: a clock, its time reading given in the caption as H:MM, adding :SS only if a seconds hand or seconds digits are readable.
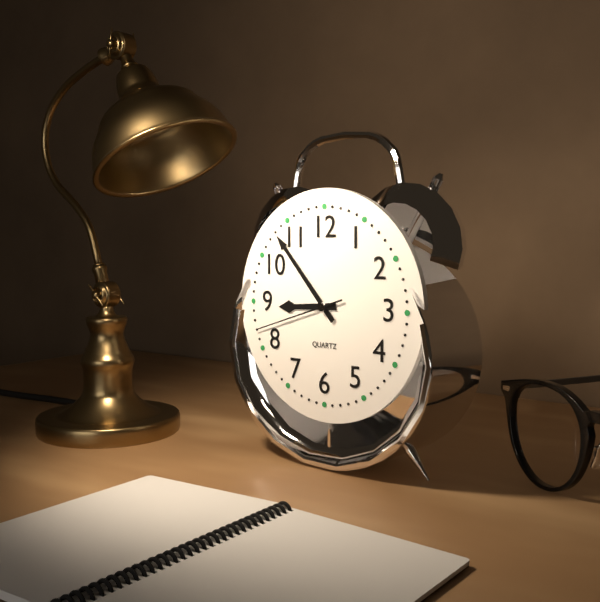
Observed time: 8:53:42
